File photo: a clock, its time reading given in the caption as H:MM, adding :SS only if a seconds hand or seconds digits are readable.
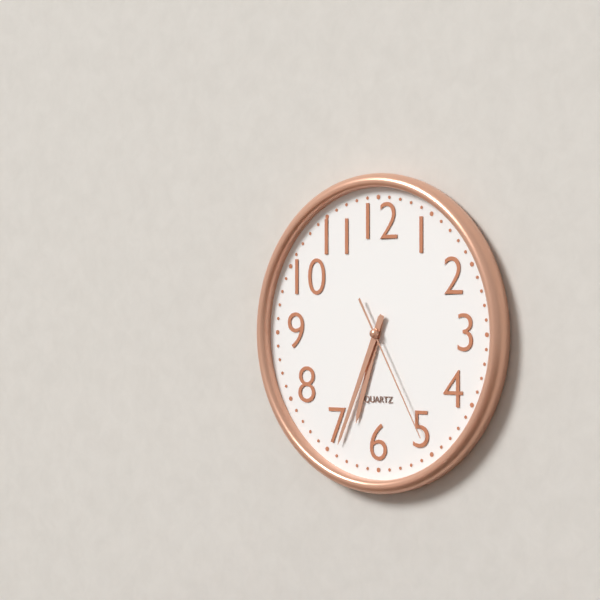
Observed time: 6:34:25
